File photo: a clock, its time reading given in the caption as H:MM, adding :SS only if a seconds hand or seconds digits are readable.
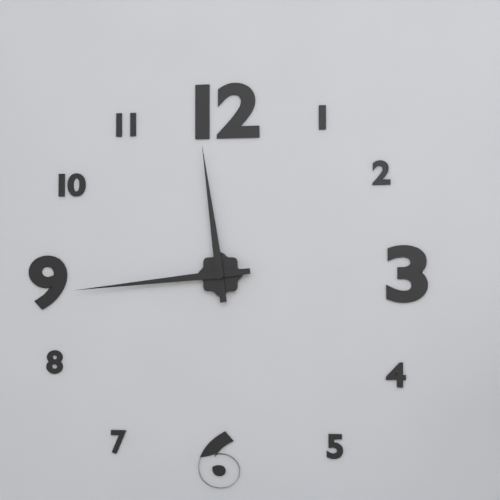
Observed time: 11:44
